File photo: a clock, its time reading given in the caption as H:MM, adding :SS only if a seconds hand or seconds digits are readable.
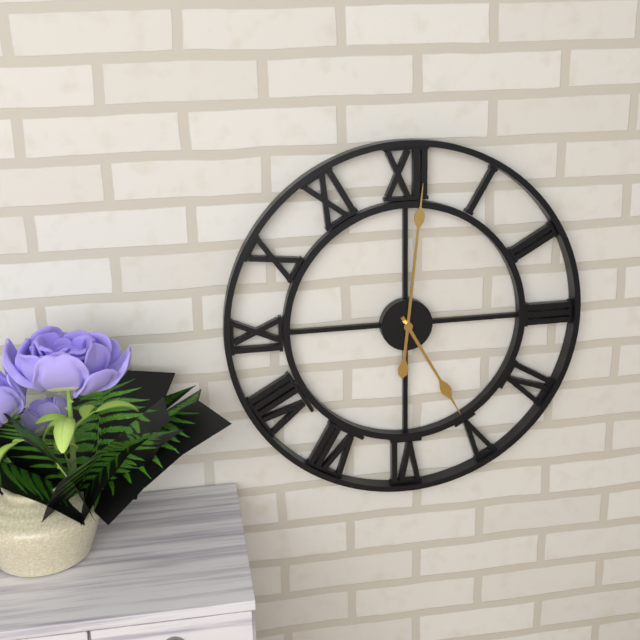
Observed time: 5:01
